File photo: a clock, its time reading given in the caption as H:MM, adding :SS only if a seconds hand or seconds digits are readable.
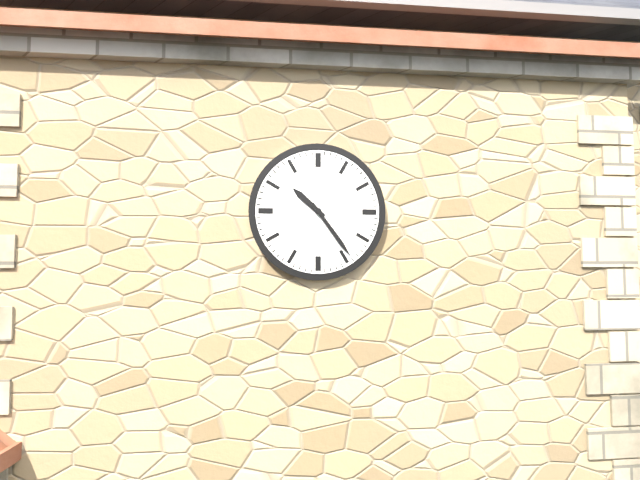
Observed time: 10:24
